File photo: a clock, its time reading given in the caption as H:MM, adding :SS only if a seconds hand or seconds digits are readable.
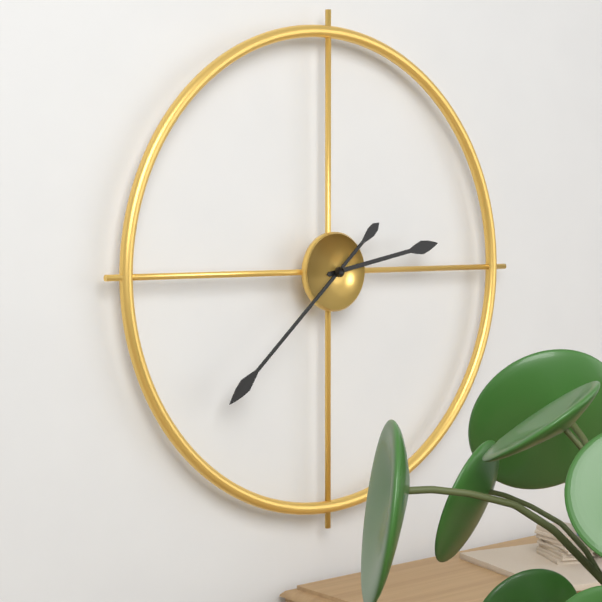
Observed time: 2:38
